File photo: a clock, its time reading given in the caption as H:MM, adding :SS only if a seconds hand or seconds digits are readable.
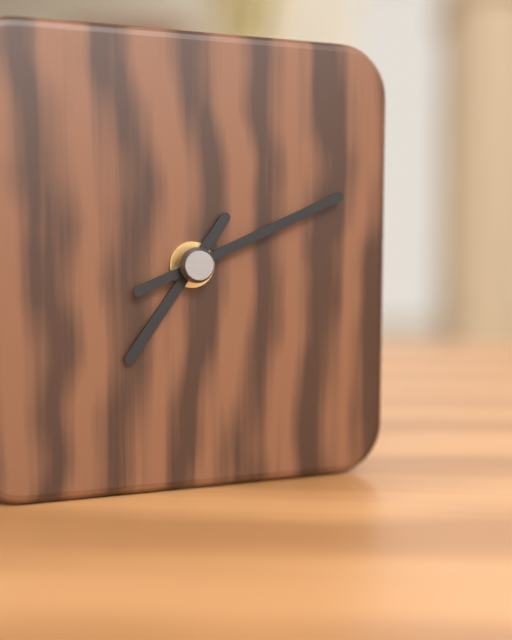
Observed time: 7:11
